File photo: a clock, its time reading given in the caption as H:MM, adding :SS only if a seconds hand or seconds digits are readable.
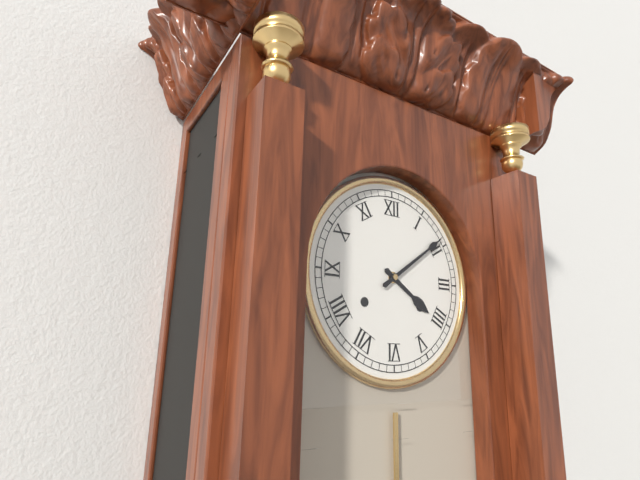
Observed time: 4:09
